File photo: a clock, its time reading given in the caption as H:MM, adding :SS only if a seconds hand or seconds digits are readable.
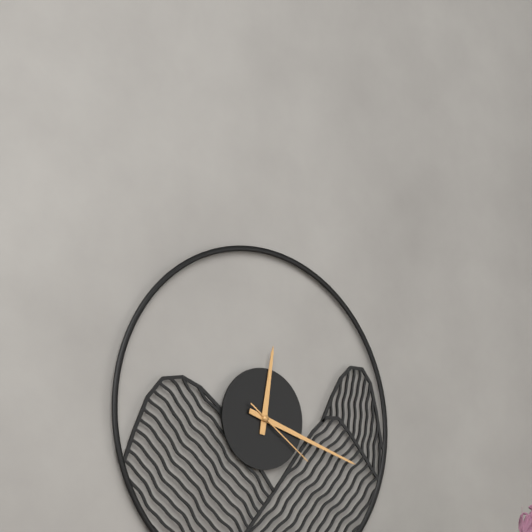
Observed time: 12:18:21
